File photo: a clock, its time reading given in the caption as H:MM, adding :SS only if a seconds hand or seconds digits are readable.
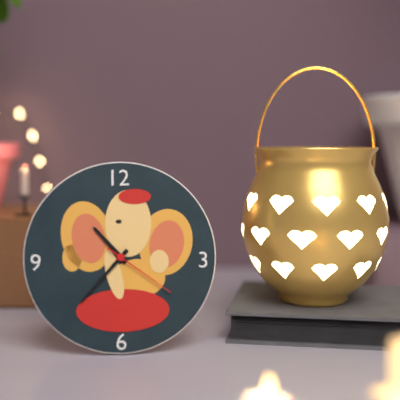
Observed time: 10:37:21
